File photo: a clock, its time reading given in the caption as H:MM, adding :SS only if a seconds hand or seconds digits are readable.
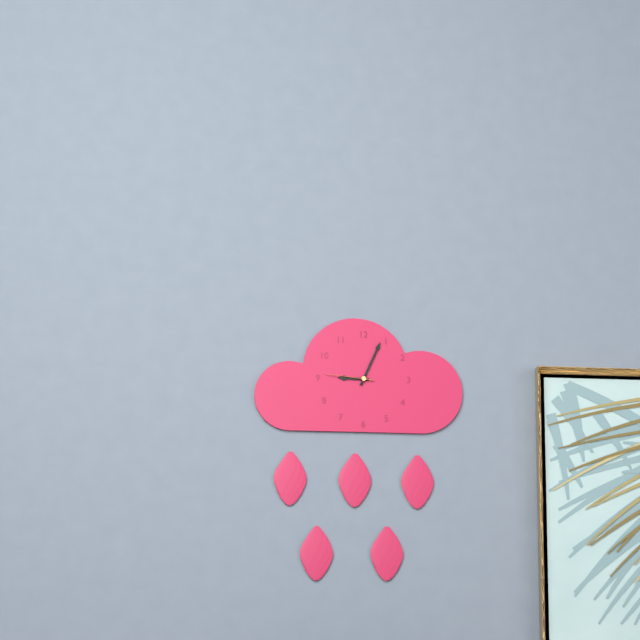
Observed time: 9:04
